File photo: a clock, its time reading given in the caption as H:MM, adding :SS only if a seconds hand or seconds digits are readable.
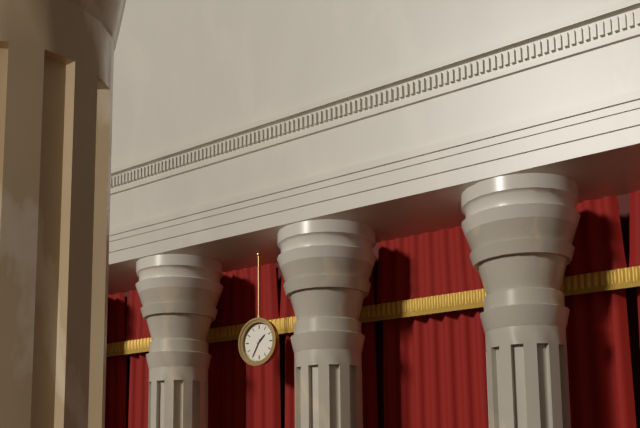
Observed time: 1:35
